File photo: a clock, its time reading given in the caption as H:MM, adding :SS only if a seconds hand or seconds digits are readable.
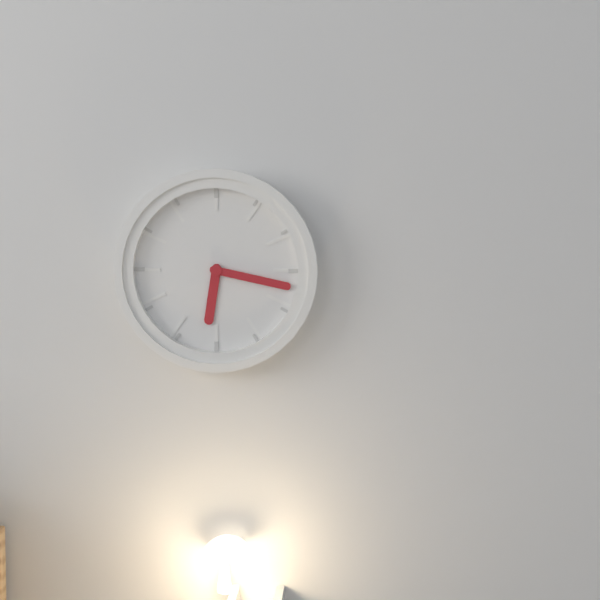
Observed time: 6:17
